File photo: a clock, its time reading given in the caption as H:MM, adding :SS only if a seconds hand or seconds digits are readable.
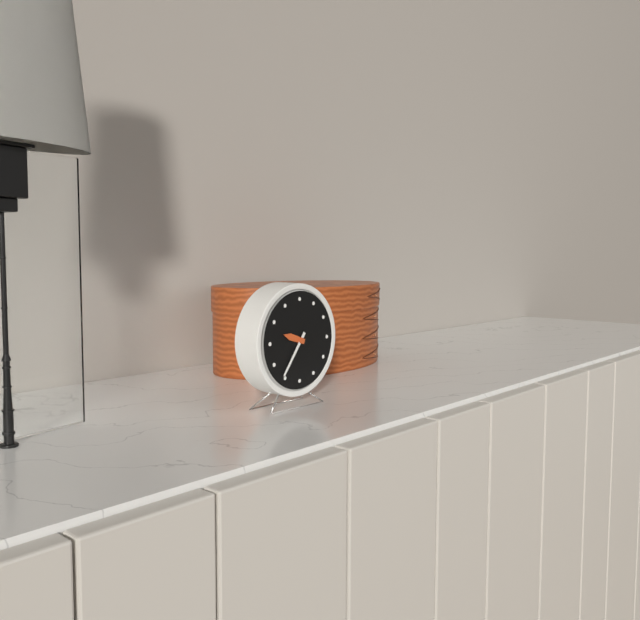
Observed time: 9:36
